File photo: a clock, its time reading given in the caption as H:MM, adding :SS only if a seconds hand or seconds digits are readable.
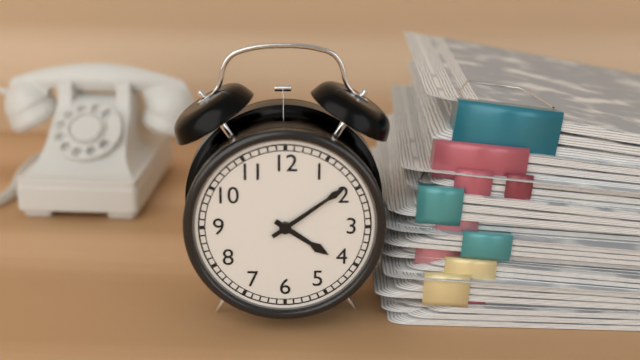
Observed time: 4:09
